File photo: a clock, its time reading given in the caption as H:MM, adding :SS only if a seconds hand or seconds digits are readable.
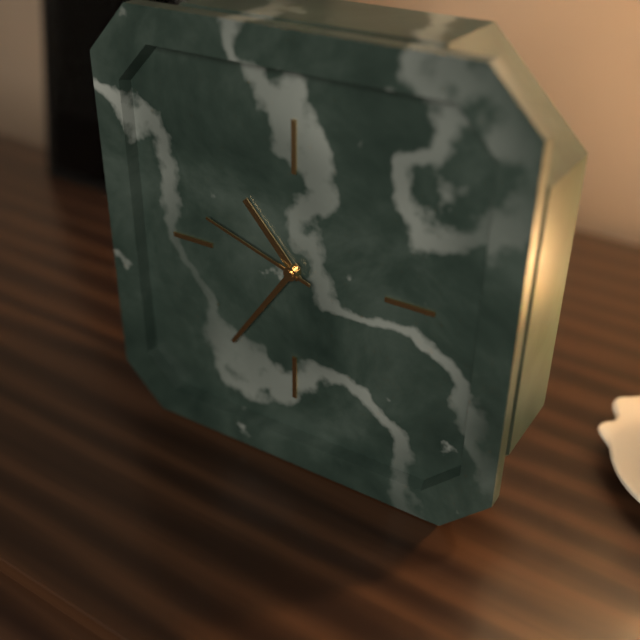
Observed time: 10:36:48
